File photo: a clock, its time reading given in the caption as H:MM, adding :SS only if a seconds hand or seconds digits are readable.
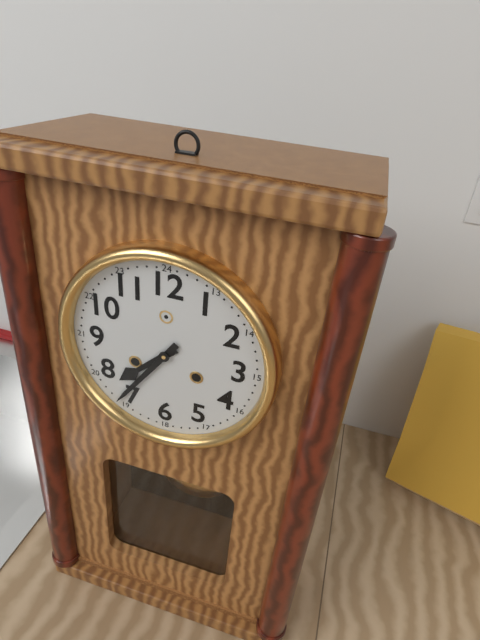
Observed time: 7:36
